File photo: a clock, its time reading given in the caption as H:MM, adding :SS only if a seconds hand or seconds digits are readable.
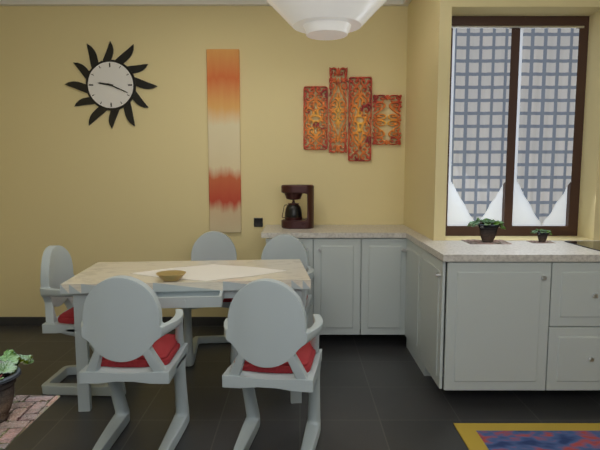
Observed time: 9:19
